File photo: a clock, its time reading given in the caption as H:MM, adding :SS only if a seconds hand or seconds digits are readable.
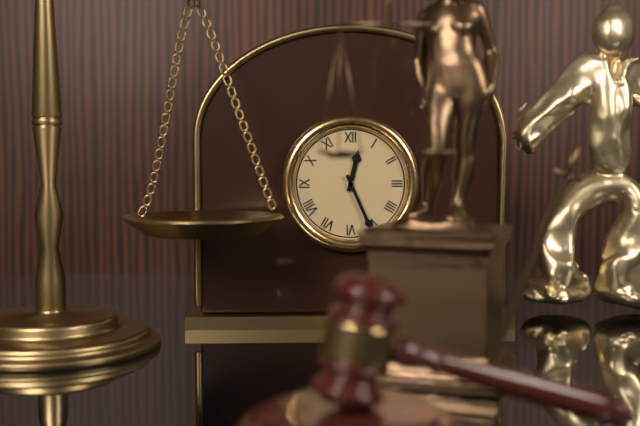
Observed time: 12:26
